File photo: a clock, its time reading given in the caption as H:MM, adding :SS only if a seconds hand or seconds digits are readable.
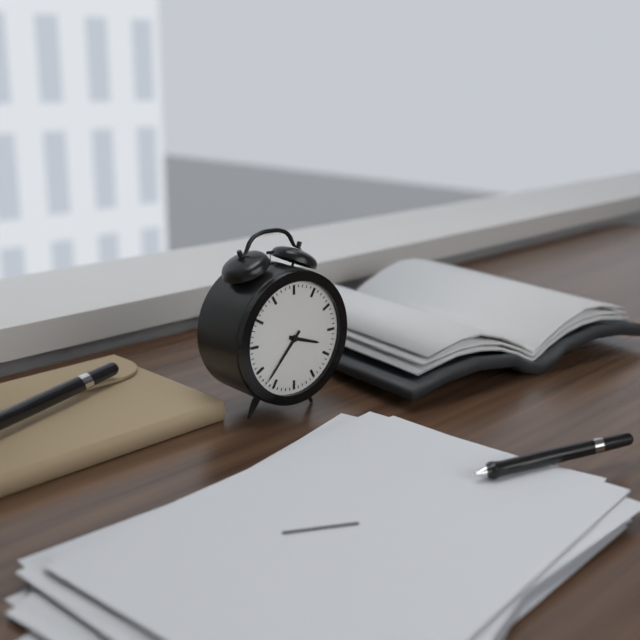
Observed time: 3:37
